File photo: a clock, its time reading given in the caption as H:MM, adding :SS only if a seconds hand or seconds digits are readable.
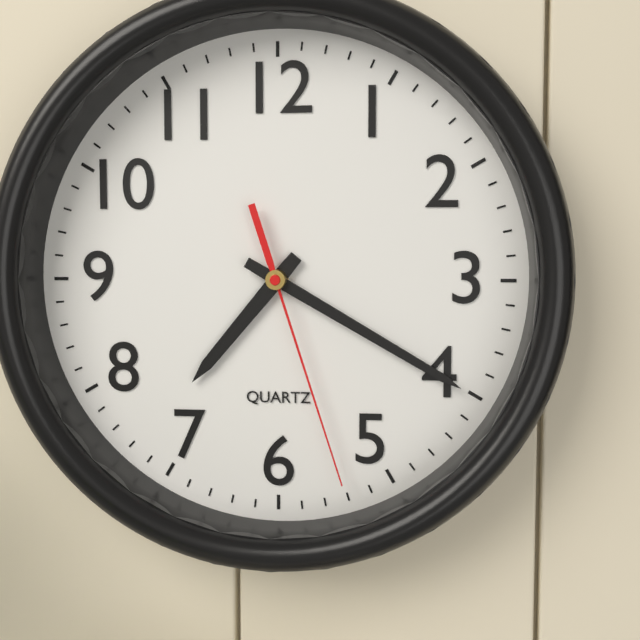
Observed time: 7:20:27
